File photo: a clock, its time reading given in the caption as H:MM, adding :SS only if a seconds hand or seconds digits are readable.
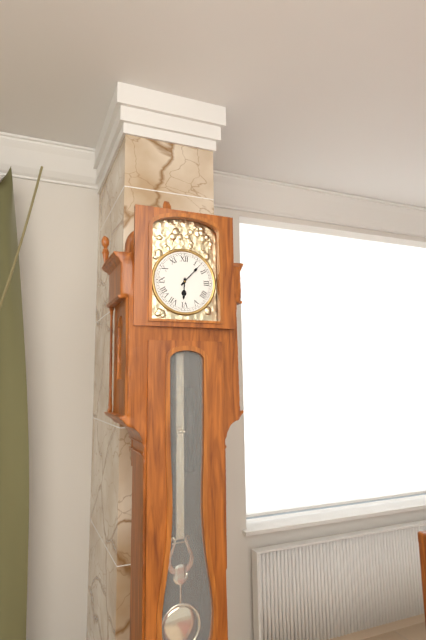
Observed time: 6:07
